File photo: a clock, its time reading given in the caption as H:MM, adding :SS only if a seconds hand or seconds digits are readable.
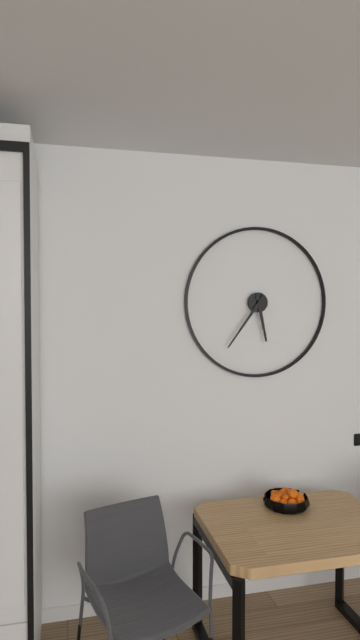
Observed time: 5:36
